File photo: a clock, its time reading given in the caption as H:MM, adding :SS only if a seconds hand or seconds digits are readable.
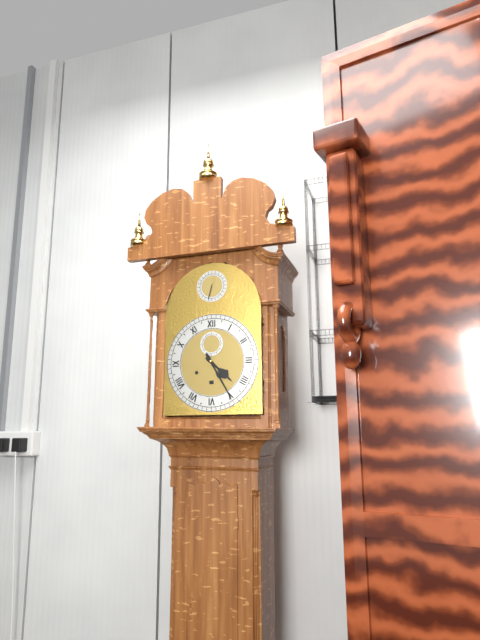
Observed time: 4:25
